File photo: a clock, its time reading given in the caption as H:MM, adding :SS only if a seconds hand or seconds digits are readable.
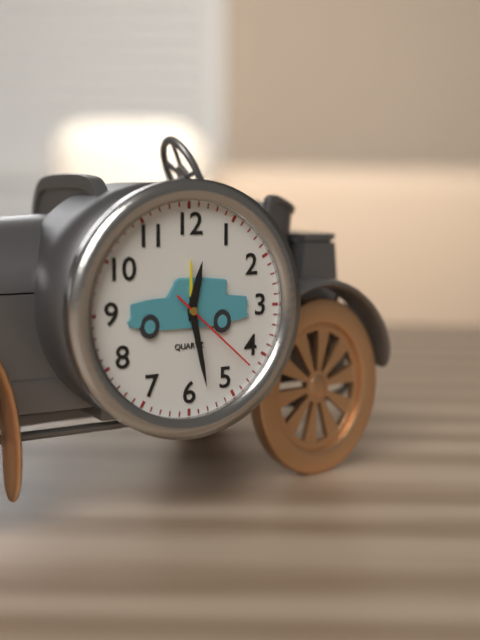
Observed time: 12:28:22
